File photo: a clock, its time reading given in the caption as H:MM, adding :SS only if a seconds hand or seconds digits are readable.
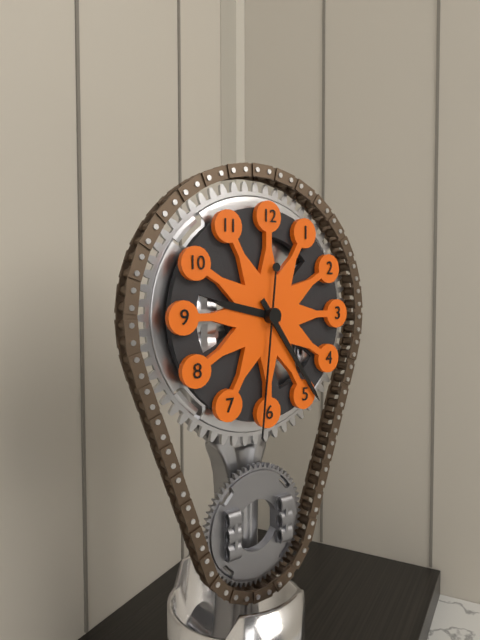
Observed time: 9:24:31
